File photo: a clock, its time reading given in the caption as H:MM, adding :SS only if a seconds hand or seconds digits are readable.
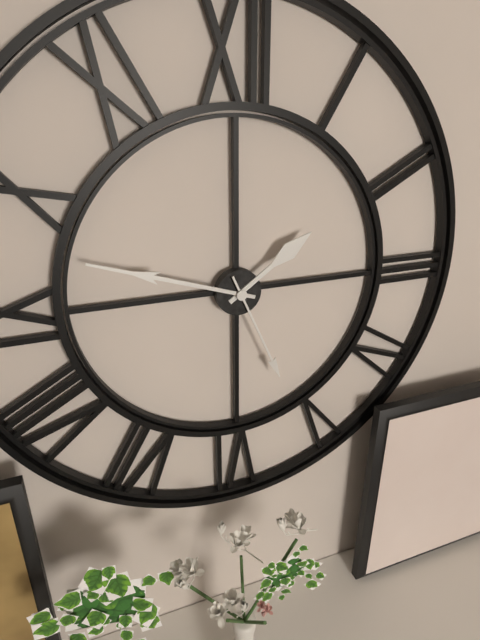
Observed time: 1:48:26
